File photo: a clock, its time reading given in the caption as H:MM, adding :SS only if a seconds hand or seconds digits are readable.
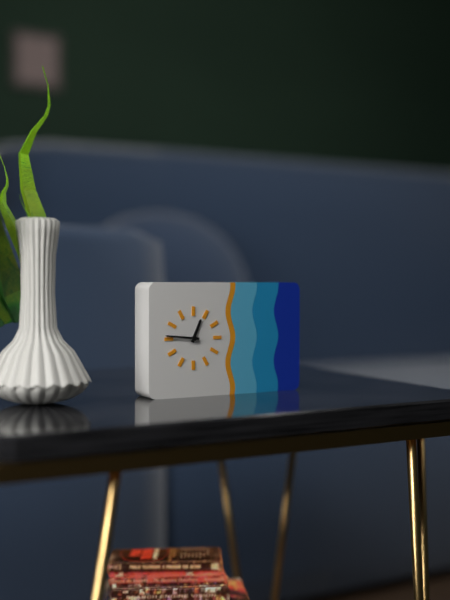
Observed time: 12:46
